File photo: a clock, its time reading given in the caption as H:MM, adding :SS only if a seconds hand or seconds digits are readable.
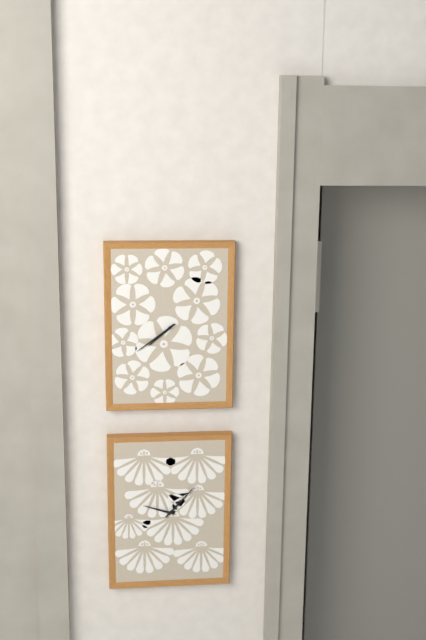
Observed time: 7:39
